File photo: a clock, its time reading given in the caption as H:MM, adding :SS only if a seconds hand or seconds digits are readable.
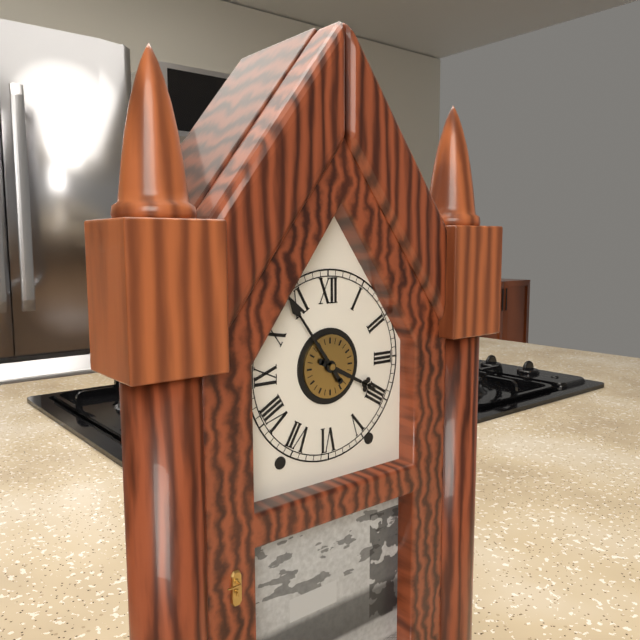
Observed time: 3:54
